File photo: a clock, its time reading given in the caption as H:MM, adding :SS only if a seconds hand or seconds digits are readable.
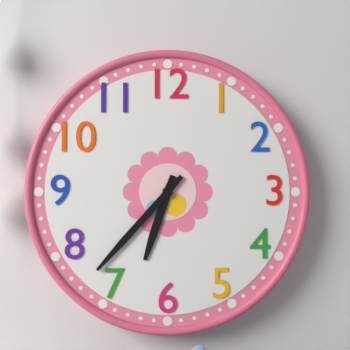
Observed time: 6:37
